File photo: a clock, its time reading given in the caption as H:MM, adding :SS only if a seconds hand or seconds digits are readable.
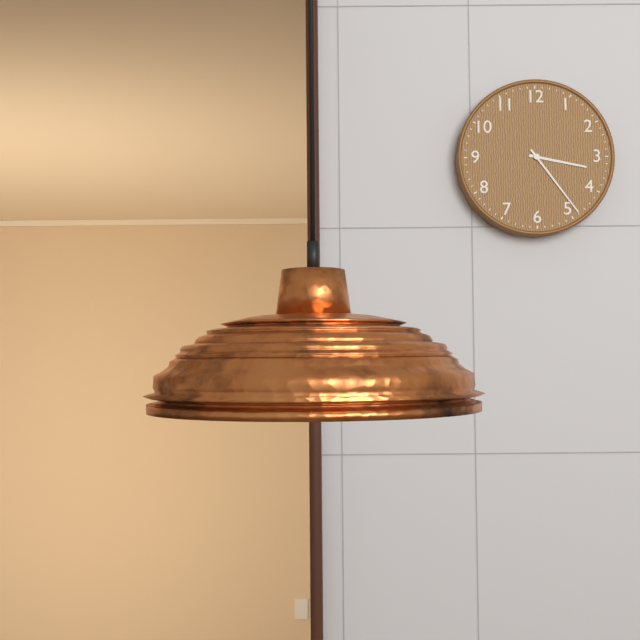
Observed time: 3:24
